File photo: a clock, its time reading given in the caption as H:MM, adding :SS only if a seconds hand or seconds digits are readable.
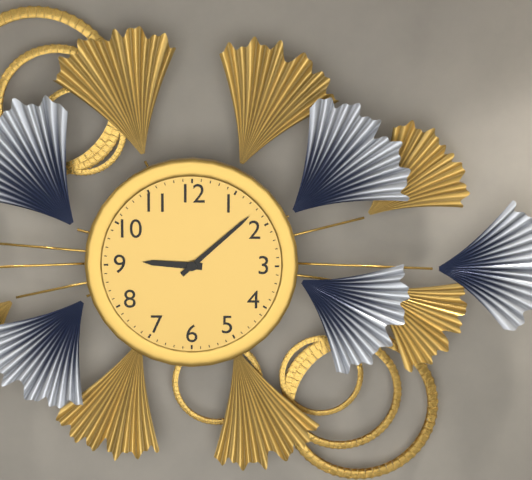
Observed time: 9:08
